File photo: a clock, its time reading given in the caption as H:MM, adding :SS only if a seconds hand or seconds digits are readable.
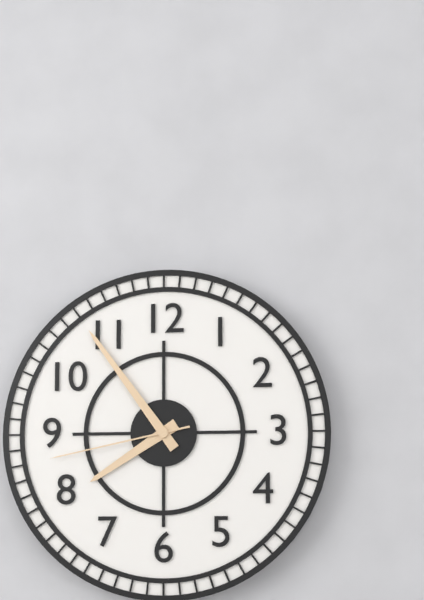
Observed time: 7:54:43
